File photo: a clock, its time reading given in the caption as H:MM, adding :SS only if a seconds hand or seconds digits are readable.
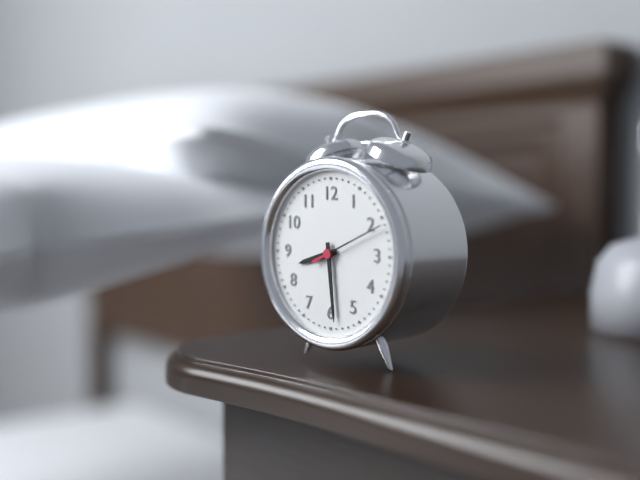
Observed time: 8:29:11
